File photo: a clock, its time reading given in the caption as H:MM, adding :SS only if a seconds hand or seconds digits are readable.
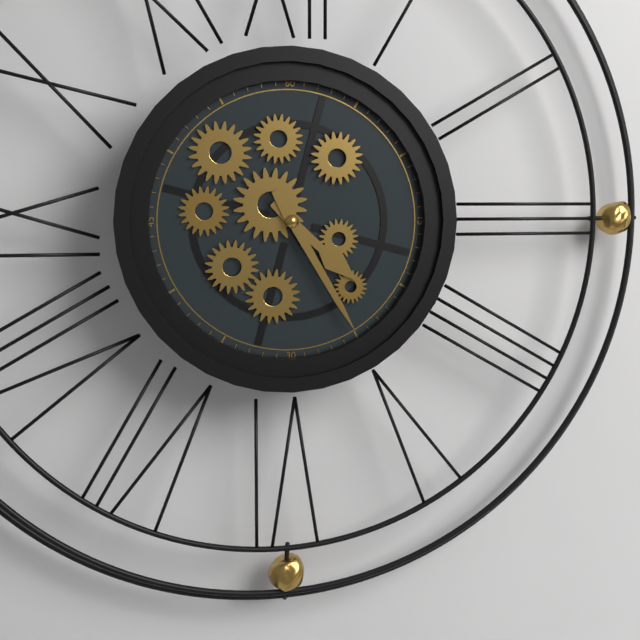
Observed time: 4:25
